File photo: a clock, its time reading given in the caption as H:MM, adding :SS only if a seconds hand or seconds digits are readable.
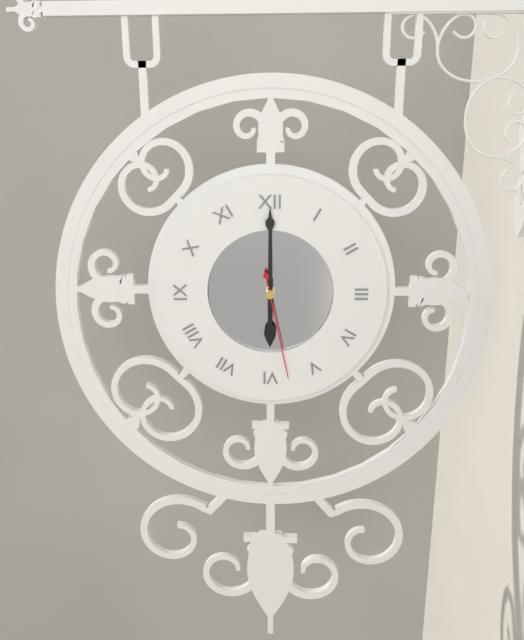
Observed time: 6:00:28
